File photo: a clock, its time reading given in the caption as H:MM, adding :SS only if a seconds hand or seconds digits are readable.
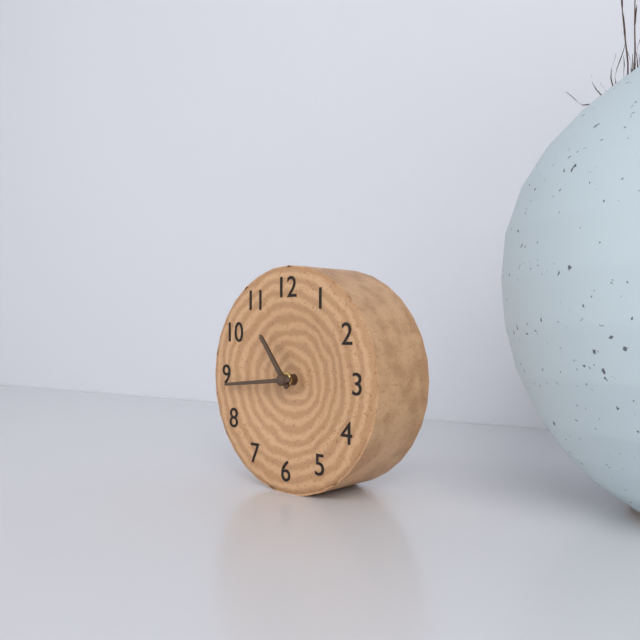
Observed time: 10:44
